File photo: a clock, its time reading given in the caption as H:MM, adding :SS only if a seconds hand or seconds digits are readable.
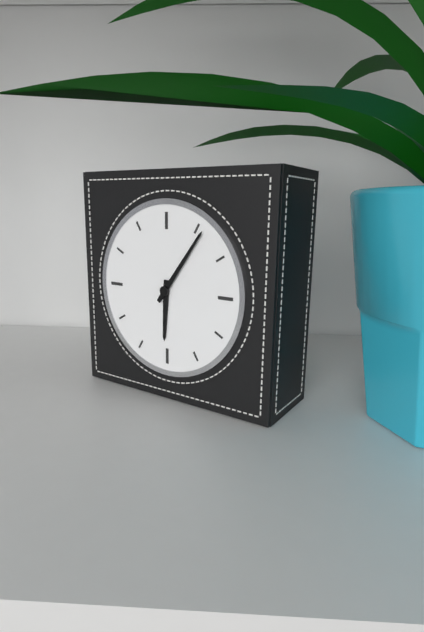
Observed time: 6:06
